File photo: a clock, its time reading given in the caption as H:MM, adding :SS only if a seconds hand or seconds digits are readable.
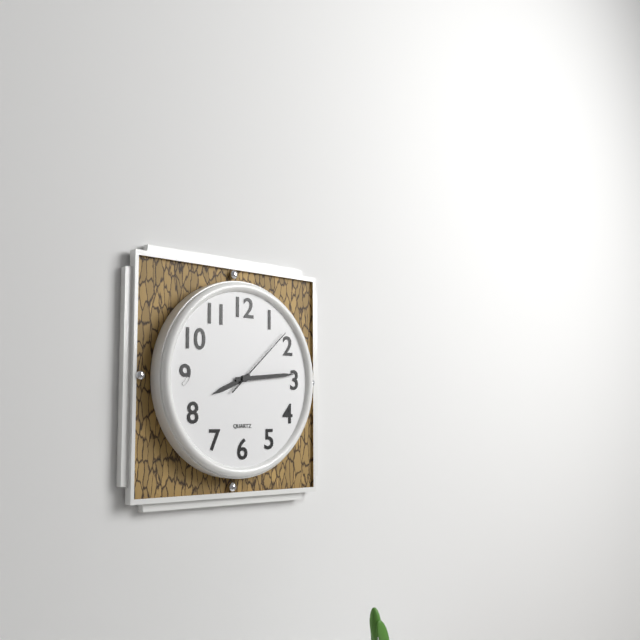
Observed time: 8:14:08
